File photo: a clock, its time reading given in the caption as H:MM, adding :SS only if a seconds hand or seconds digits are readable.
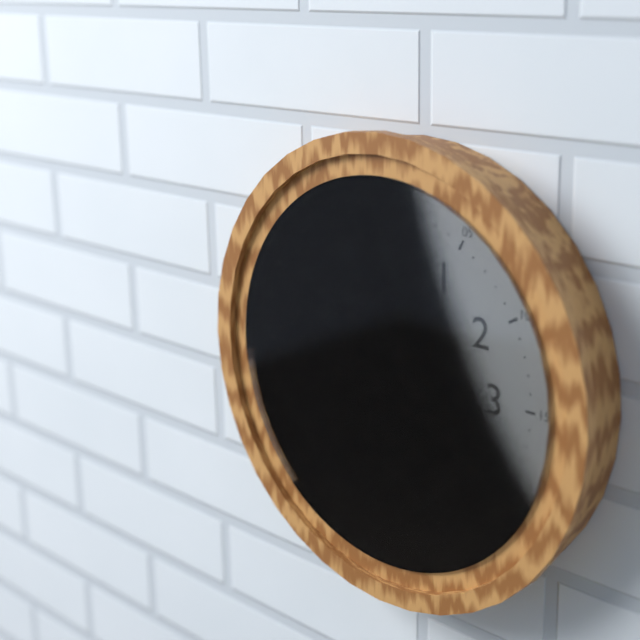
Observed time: 8:46:19
